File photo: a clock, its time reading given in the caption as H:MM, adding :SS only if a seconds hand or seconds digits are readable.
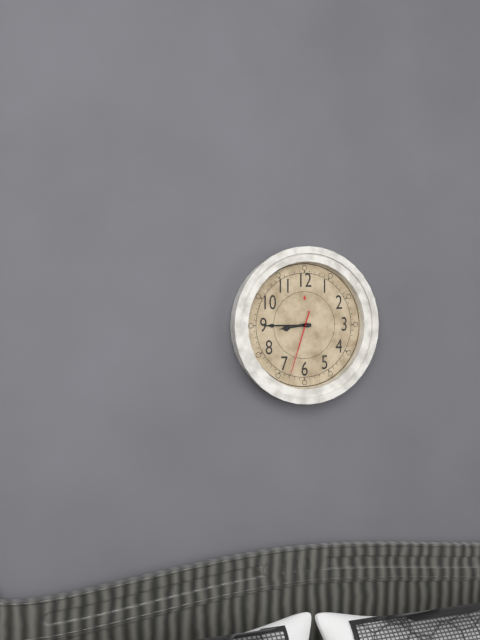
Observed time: 8:45:33
